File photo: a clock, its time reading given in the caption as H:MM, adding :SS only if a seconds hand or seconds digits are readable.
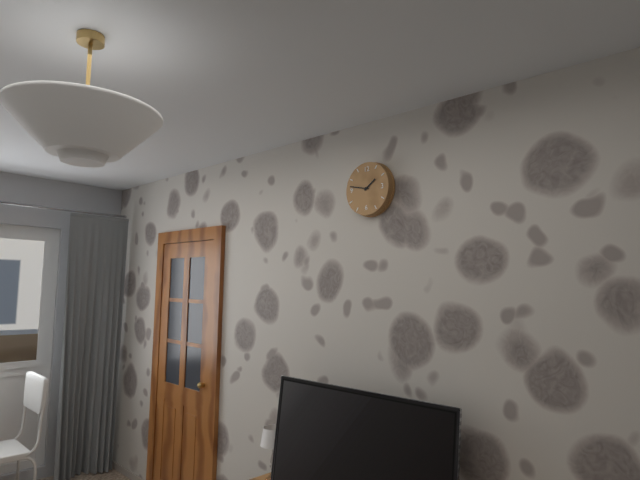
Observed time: 1:47
